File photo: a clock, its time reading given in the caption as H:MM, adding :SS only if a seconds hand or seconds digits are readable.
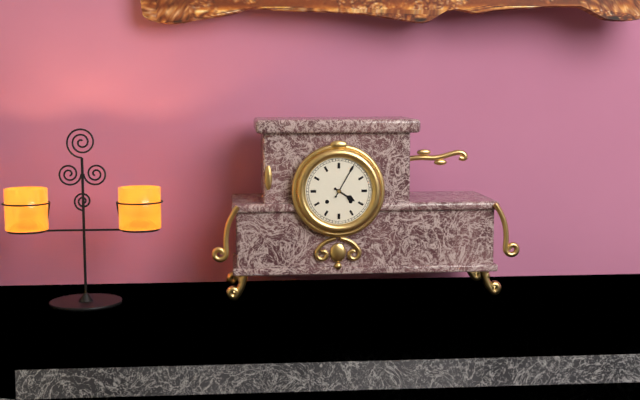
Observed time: 4:05
